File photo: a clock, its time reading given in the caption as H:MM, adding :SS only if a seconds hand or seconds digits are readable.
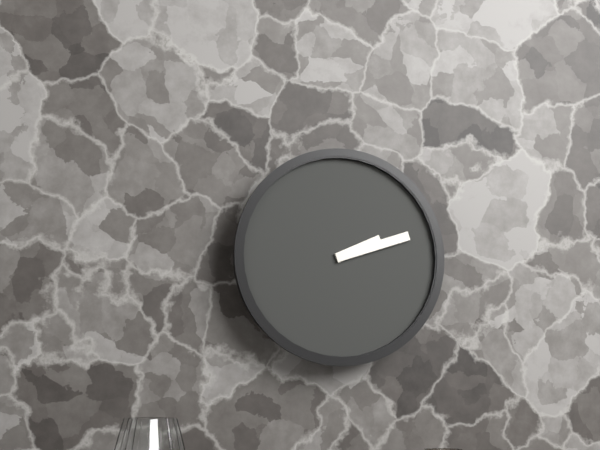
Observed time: 2:12
